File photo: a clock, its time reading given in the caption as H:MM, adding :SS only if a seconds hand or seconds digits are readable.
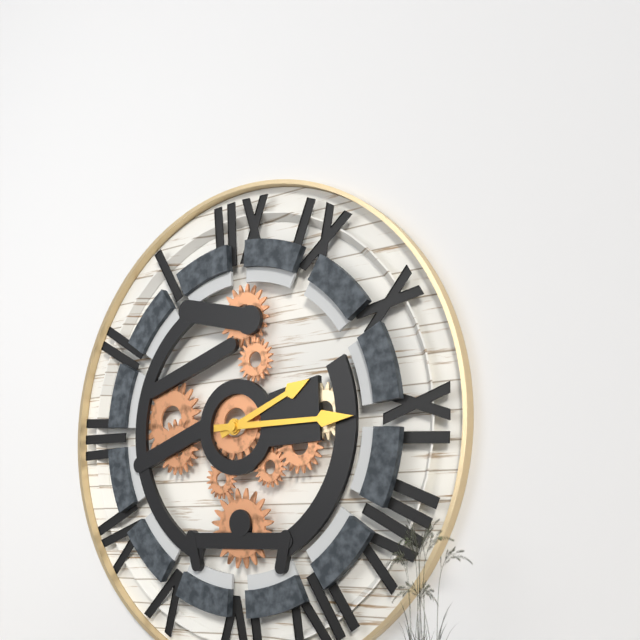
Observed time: 2:15
